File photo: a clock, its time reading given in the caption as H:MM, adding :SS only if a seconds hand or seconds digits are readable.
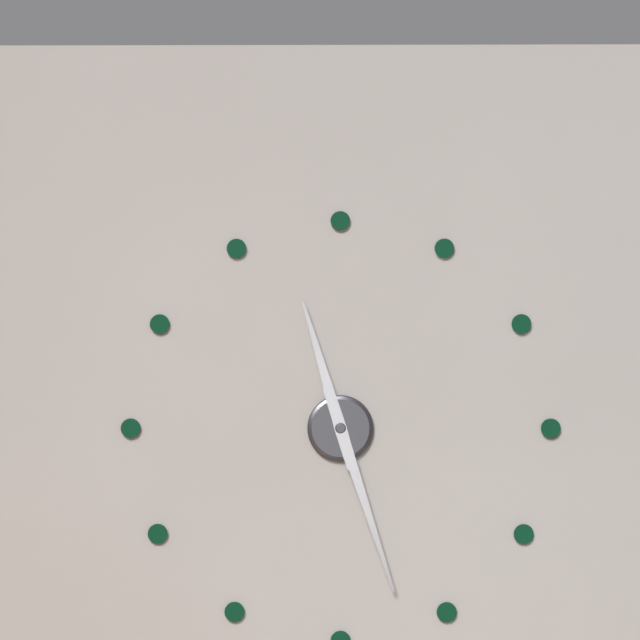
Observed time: 11:27
